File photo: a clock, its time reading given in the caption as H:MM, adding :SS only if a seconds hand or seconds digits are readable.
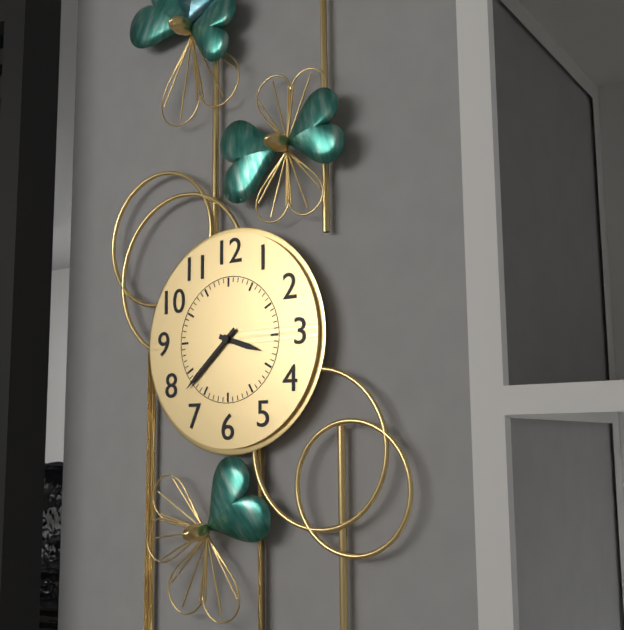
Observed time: 3:38
